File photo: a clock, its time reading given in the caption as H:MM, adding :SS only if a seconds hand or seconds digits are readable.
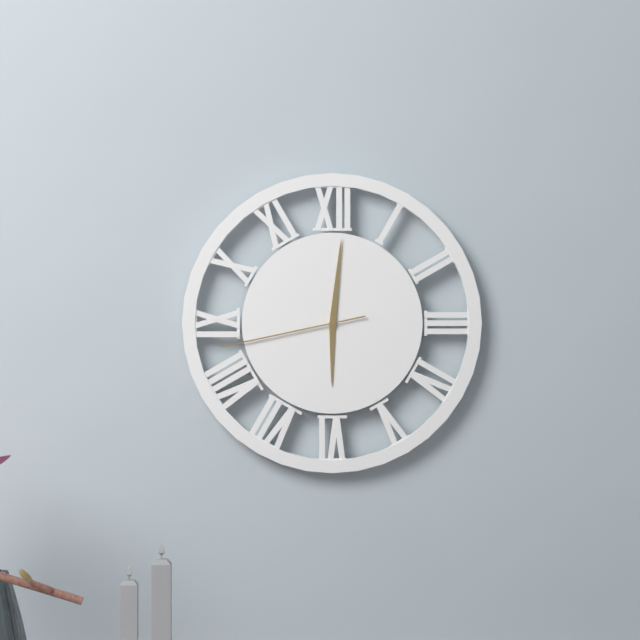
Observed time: 6:01:43
